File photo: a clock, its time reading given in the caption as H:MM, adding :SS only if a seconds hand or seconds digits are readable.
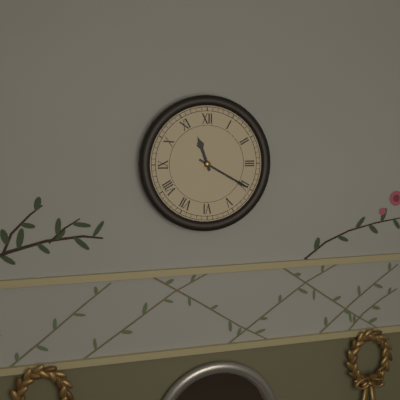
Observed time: 11:20
